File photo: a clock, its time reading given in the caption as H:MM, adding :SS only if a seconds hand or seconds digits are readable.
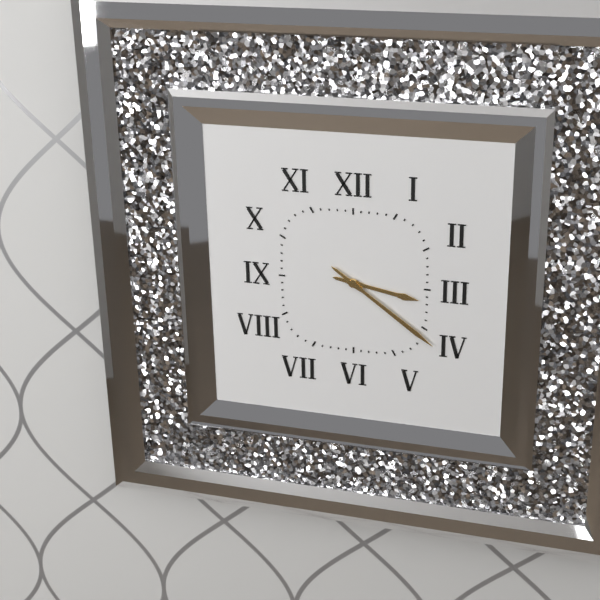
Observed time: 3:21
